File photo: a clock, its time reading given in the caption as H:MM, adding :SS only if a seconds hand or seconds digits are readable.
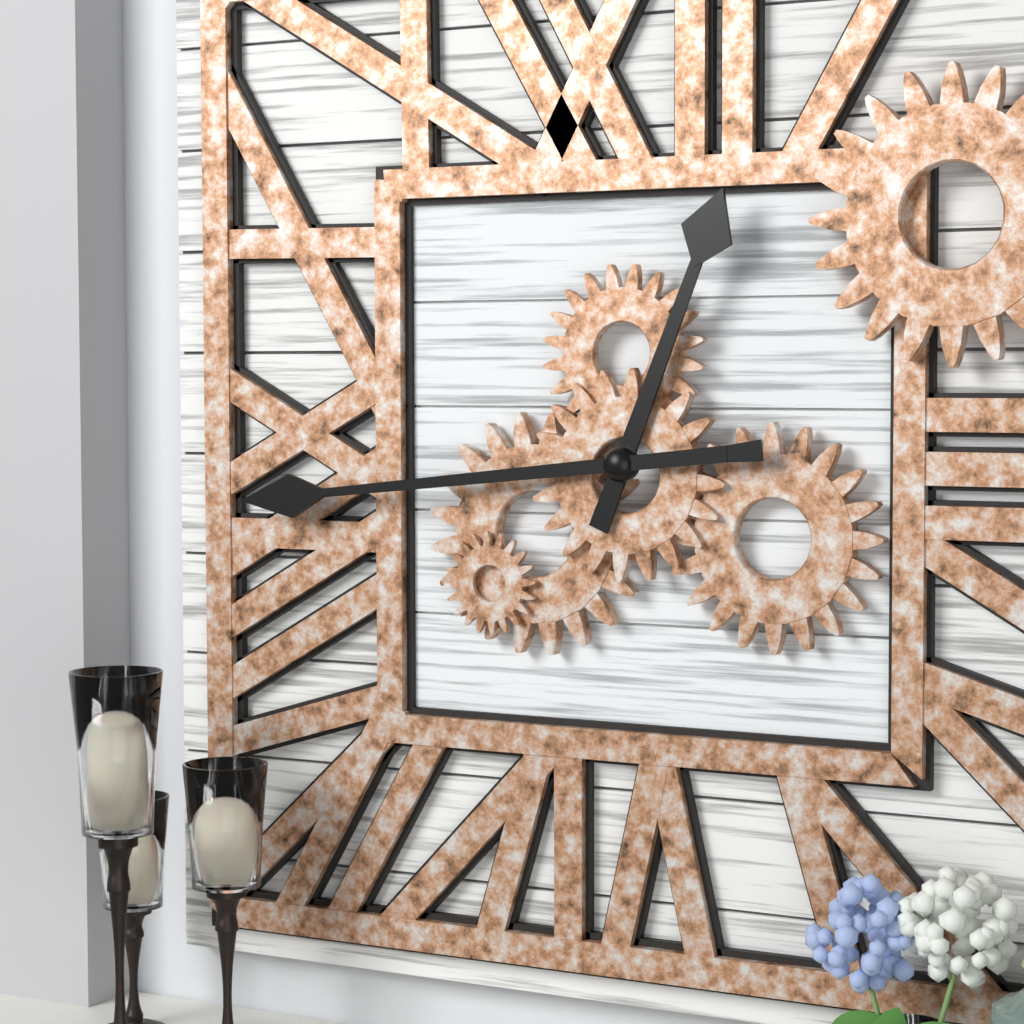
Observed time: 12:44
